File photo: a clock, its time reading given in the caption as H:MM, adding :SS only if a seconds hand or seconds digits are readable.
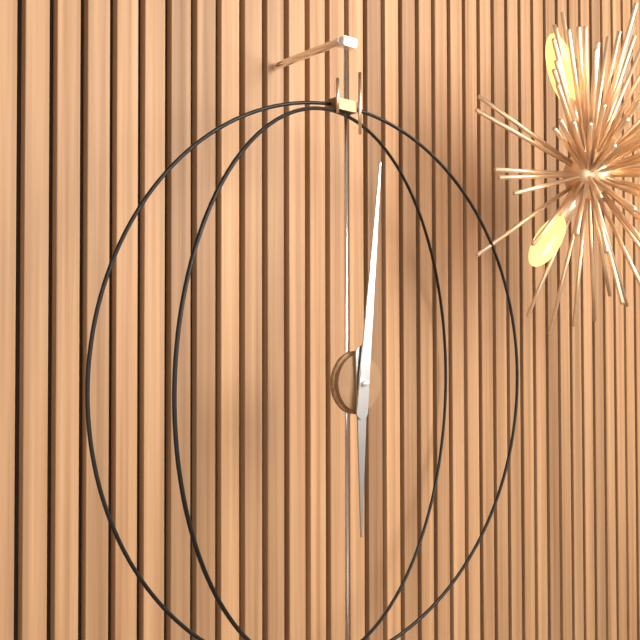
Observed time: 6:01
